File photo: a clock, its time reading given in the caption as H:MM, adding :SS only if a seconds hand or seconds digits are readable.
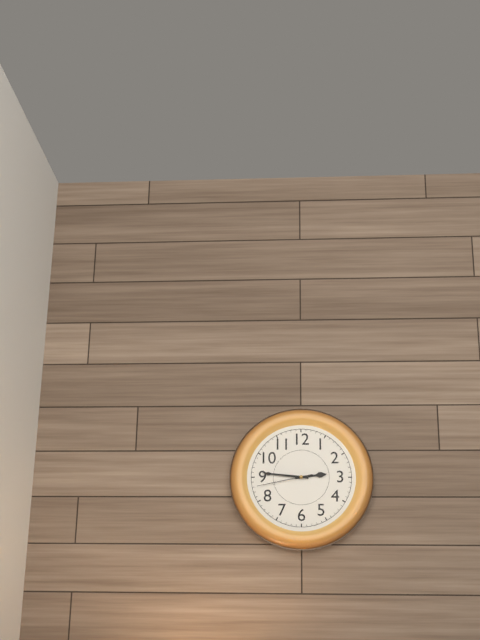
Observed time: 2:46:43
